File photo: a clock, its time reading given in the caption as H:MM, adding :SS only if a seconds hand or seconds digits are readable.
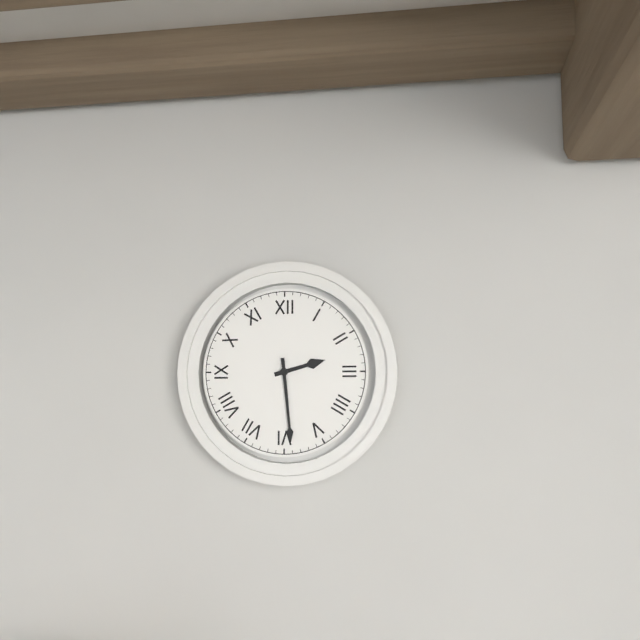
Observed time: 2:29
